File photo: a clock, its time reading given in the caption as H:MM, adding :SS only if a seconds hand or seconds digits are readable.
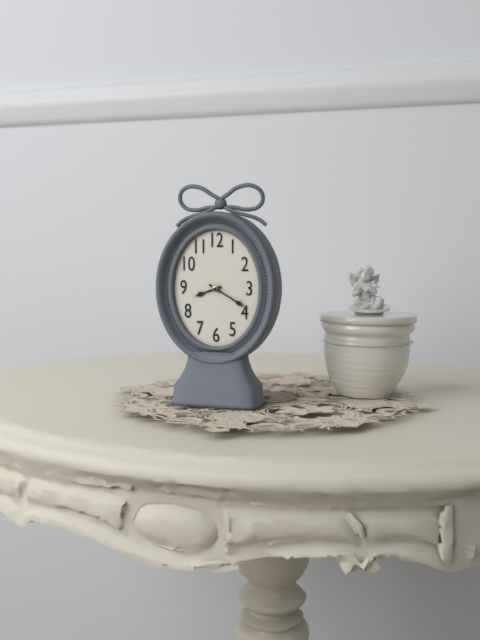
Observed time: 8:20
